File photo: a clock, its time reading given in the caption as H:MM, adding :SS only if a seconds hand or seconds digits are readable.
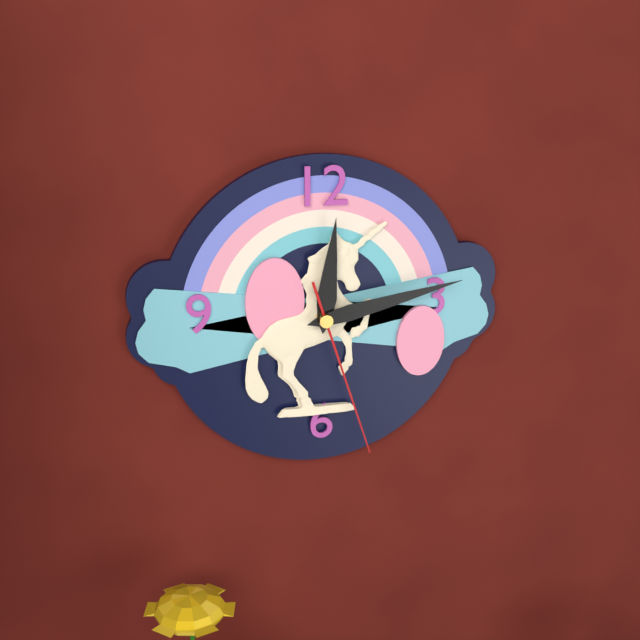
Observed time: 12:13:27
